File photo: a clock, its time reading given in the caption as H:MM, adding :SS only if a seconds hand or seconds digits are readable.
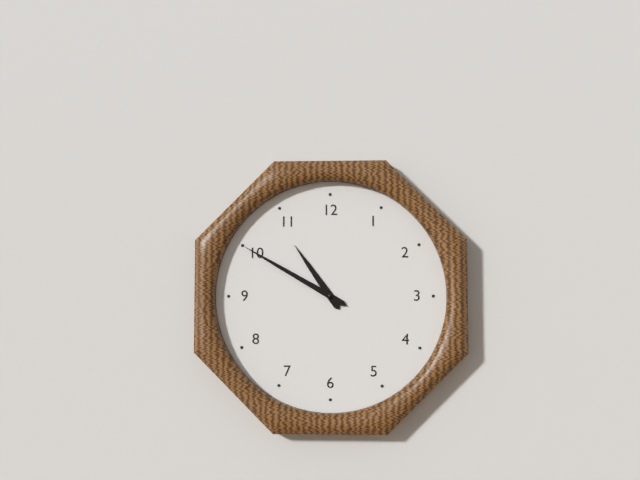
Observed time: 10:50
